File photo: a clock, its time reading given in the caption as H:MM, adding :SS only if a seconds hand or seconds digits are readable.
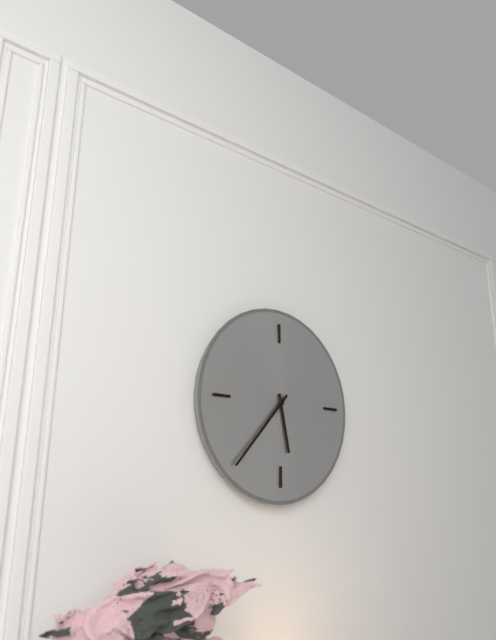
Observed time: 5:37
